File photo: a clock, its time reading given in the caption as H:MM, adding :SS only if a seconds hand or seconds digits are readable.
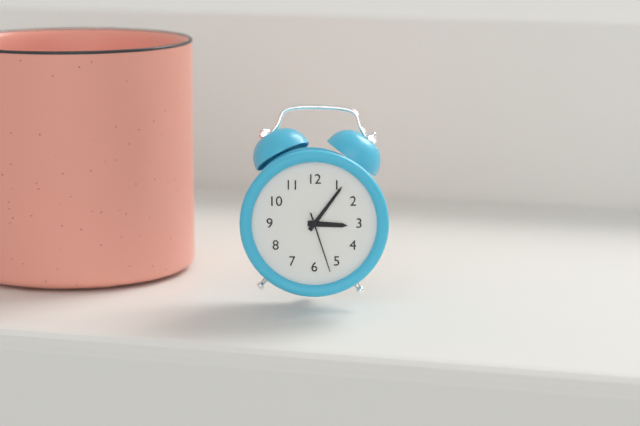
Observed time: 3:06:27
